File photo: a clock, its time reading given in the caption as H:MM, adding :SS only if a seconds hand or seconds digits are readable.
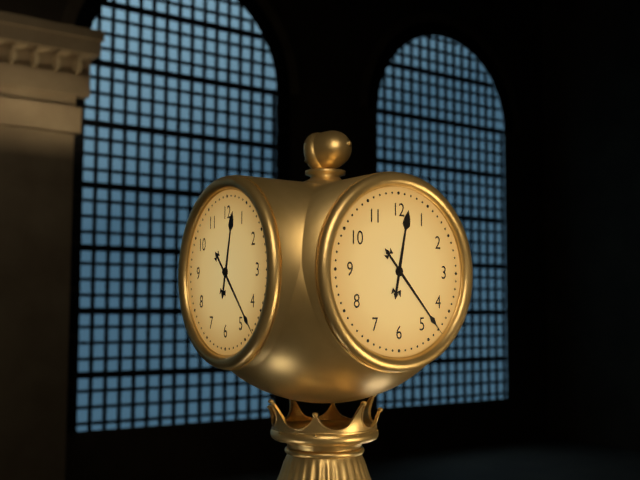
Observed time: 12:23
